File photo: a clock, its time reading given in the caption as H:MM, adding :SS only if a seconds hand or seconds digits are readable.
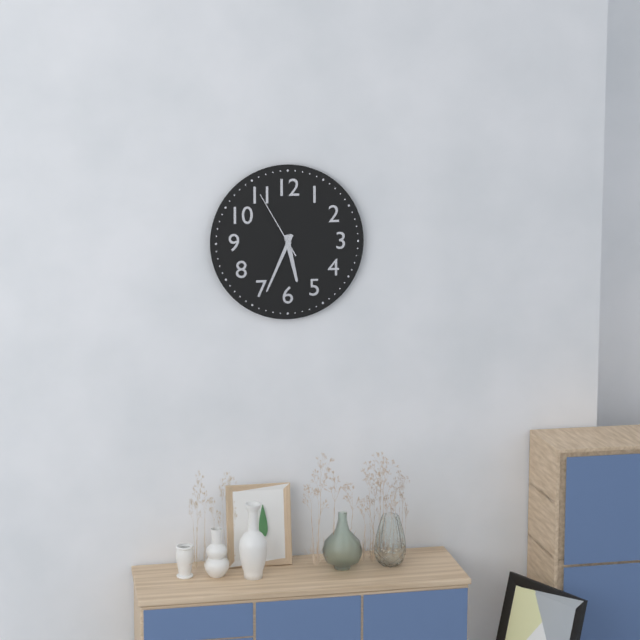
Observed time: 5:34:55
